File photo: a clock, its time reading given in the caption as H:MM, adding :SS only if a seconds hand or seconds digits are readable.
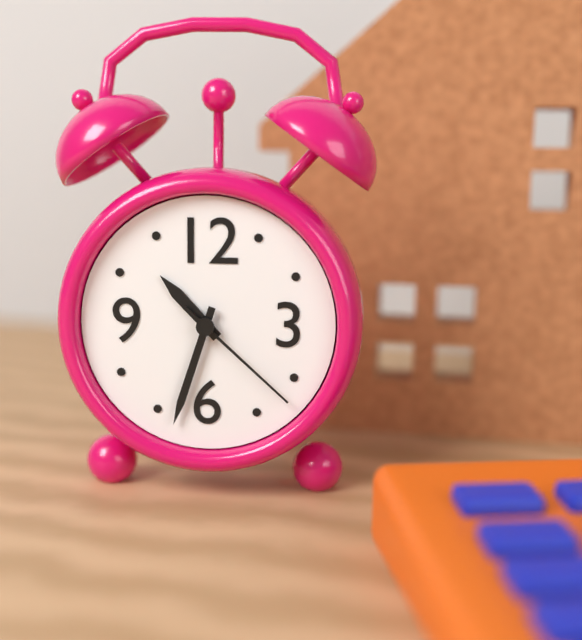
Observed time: 10:33:22
